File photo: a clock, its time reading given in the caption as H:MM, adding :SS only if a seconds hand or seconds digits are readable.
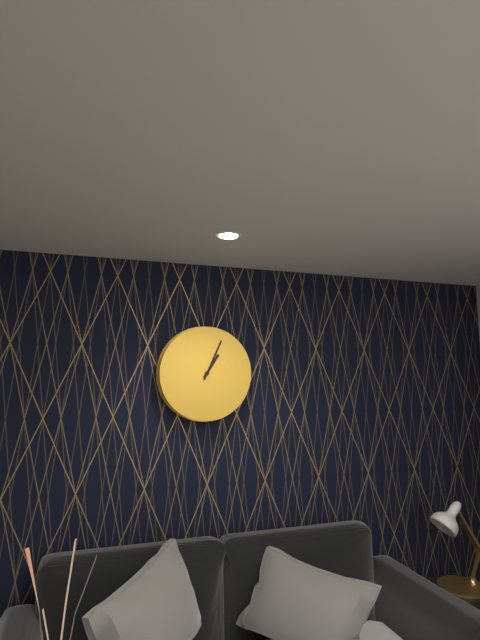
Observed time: 1:04
